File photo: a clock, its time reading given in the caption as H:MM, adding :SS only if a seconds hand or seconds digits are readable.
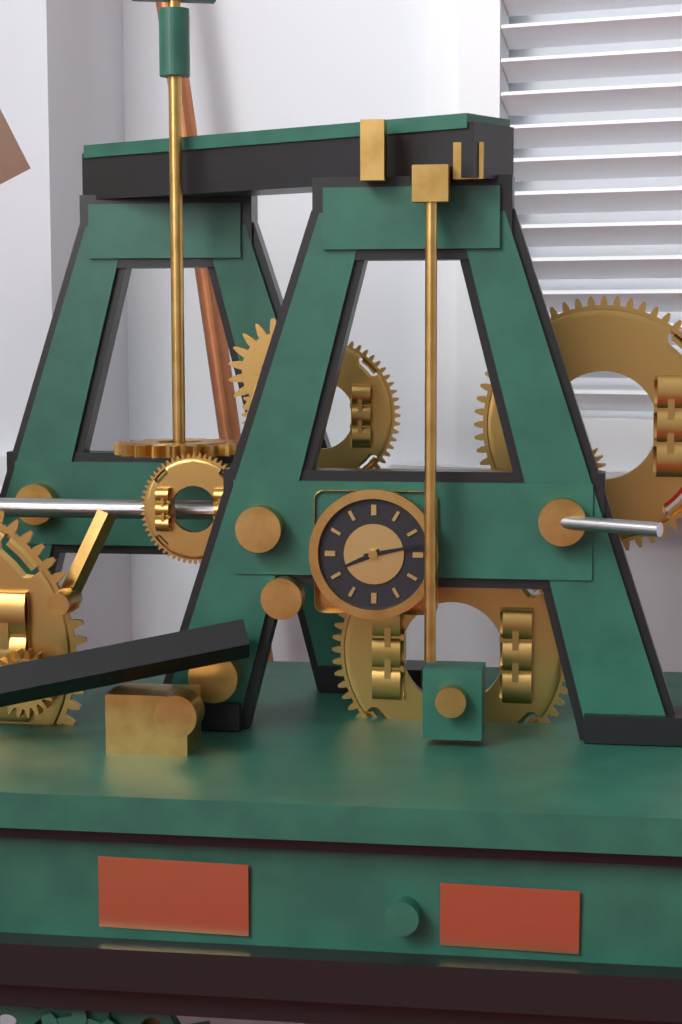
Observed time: 8:13
